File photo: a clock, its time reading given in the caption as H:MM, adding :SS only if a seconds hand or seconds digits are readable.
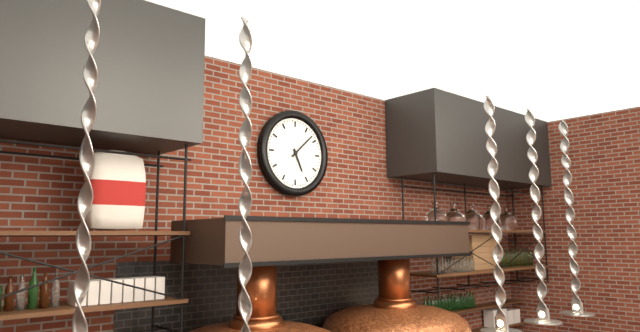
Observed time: 5:08
